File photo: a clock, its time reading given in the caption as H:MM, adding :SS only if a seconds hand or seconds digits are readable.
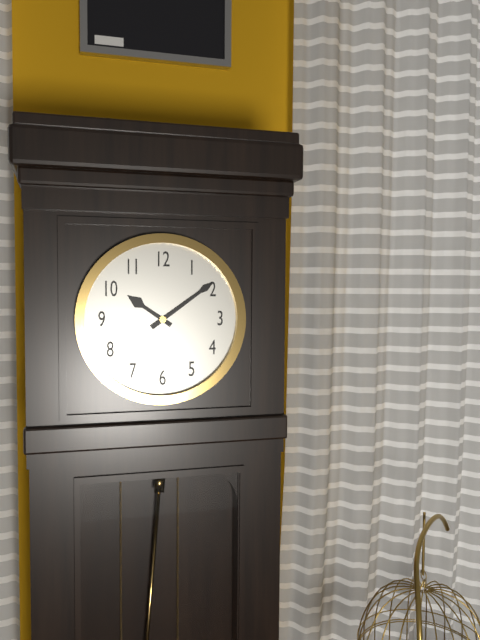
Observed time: 10:09
